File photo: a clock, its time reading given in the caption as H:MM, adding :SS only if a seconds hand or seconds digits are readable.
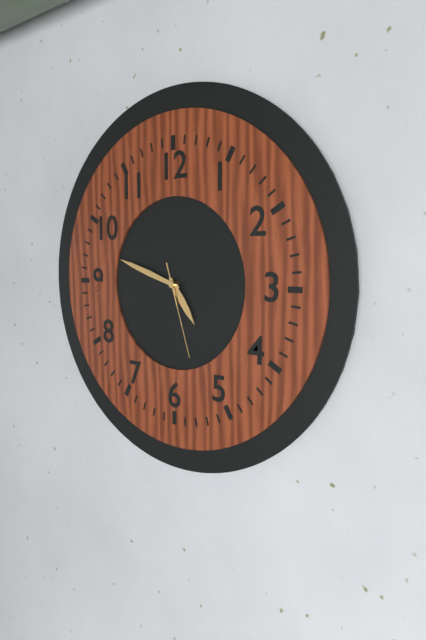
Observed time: 4:48:27
